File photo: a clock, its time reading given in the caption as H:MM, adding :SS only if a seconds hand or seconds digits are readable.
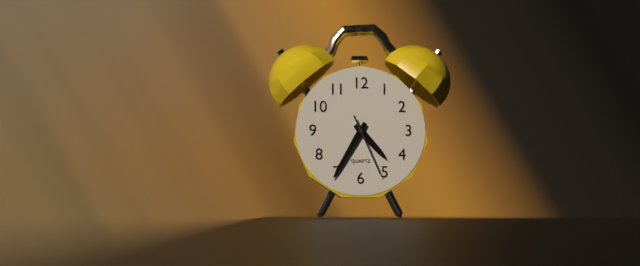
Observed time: 4:35:26
